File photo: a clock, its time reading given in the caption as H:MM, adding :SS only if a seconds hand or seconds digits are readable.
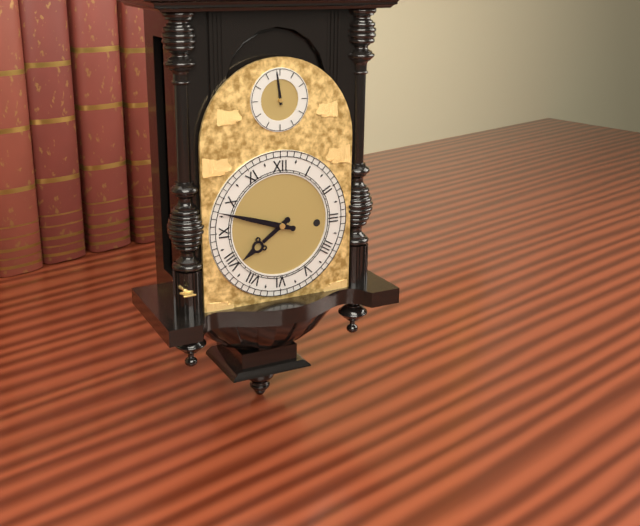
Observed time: 7:48
